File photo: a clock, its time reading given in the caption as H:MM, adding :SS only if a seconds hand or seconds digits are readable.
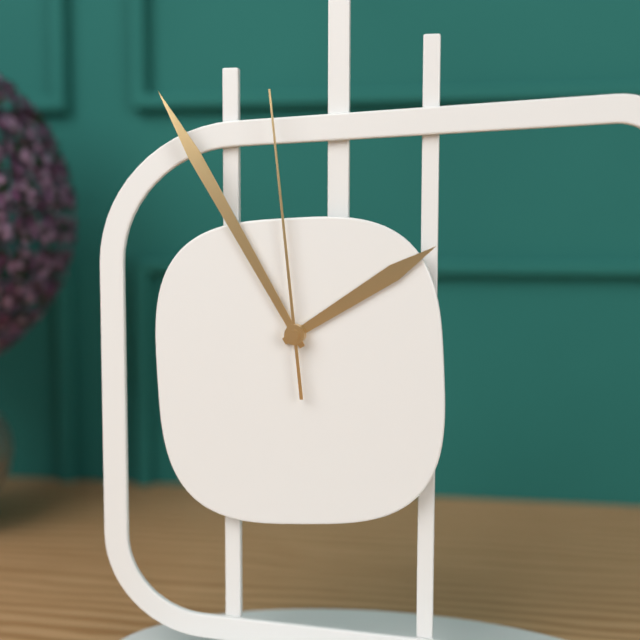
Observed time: 1:55:59
